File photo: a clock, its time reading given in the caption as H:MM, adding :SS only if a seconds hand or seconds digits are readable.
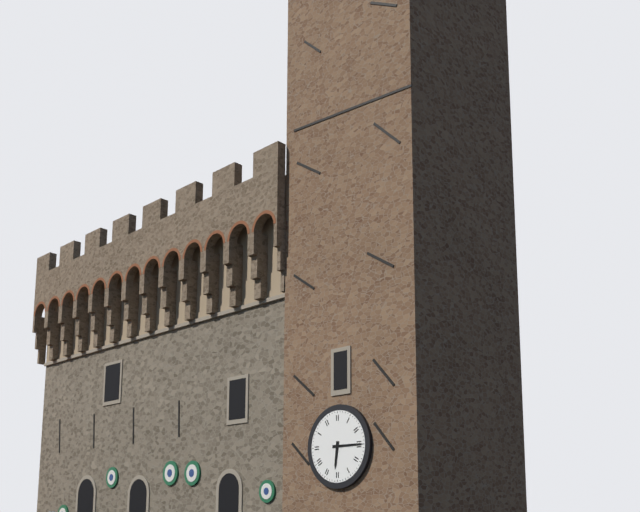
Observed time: 6:15
